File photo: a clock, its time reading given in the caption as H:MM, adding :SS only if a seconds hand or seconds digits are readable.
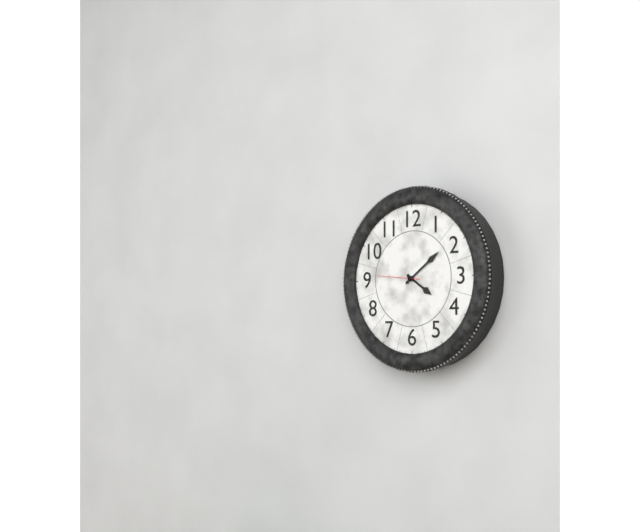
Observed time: 4:09
